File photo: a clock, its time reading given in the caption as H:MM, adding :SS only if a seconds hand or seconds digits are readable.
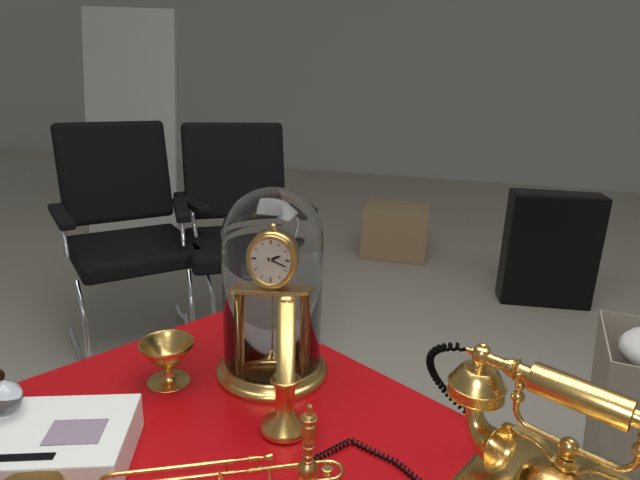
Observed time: 2:18
